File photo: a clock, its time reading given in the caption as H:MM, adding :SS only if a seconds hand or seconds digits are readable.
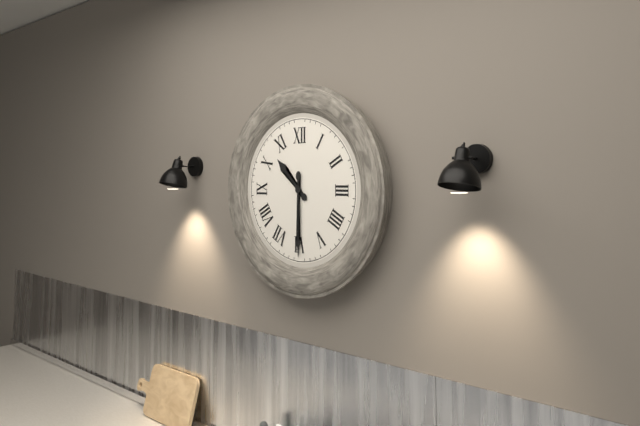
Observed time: 10:30
